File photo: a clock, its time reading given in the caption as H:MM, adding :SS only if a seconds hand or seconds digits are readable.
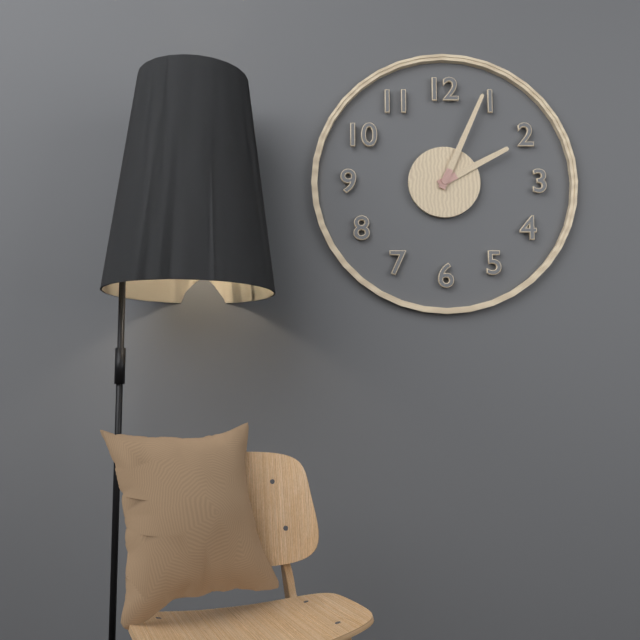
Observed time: 2:04
